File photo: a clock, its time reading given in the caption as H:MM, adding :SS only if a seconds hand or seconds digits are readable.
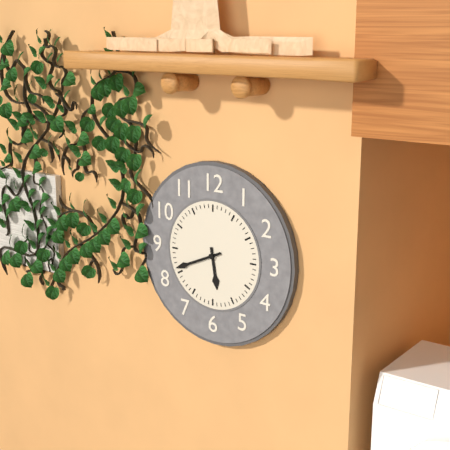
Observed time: 5:41
